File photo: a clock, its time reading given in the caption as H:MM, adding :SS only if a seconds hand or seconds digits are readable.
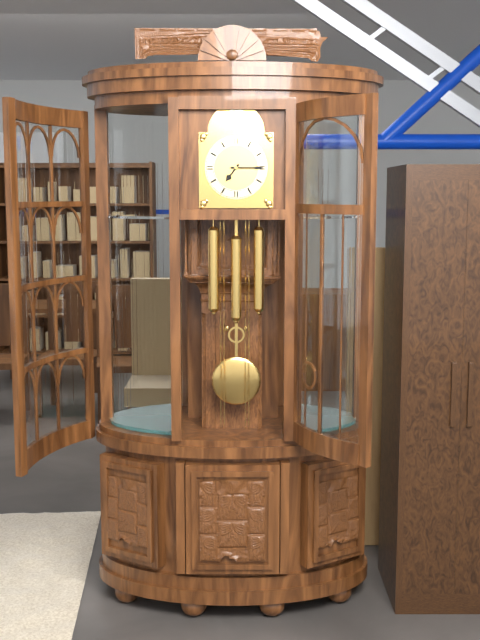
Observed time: 7:15
